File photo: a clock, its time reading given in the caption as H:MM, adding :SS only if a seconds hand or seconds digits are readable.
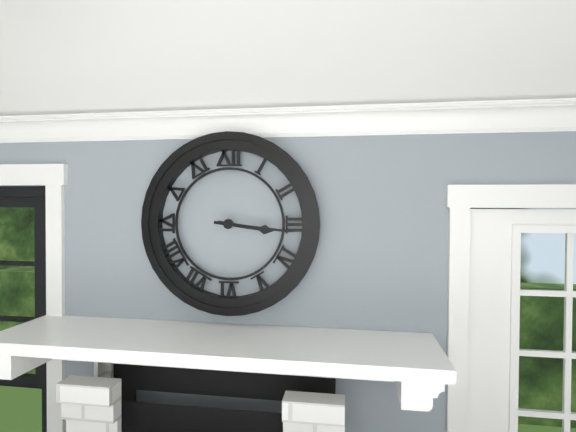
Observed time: 3:16
